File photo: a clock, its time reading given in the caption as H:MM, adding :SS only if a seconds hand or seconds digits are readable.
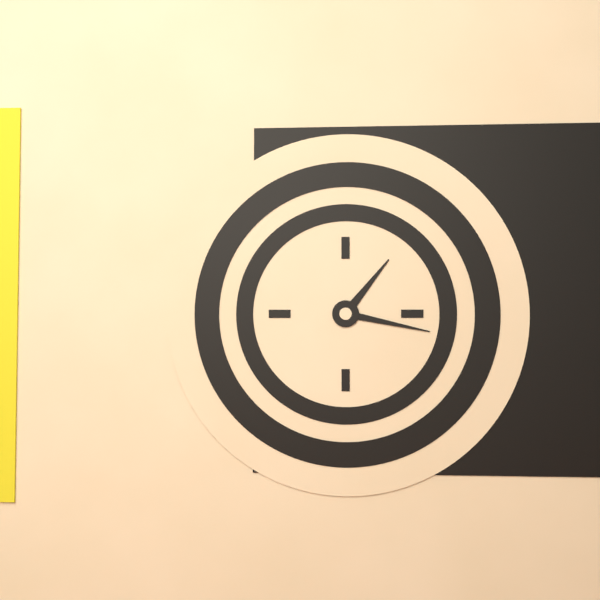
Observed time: 1:17
